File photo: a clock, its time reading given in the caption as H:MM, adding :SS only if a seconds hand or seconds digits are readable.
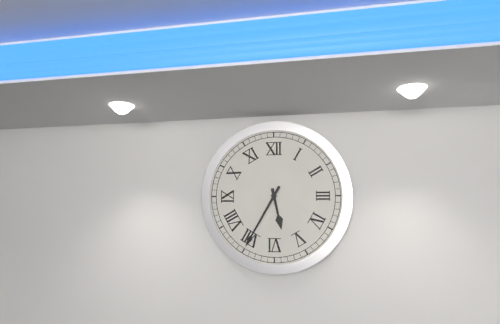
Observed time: 5:35
